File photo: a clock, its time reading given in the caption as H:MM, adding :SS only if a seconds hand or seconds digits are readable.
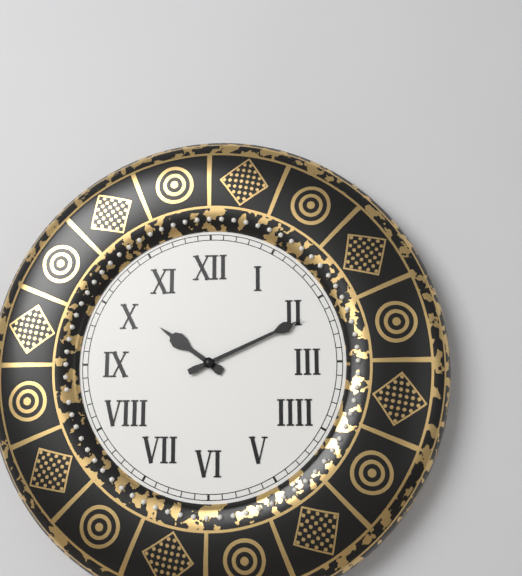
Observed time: 10:11
